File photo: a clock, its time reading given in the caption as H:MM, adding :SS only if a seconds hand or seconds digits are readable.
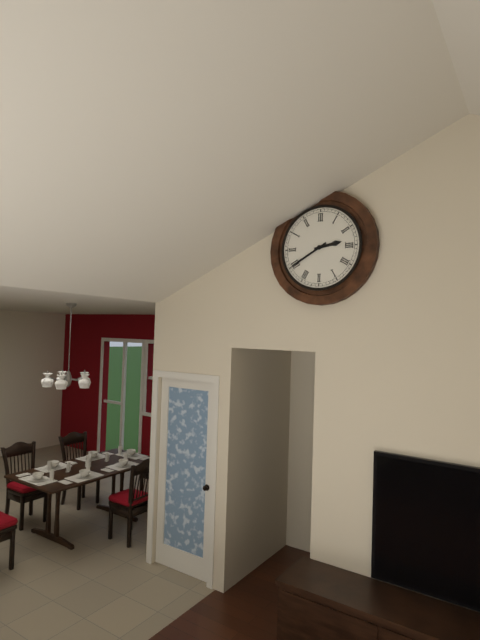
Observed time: 2:40
